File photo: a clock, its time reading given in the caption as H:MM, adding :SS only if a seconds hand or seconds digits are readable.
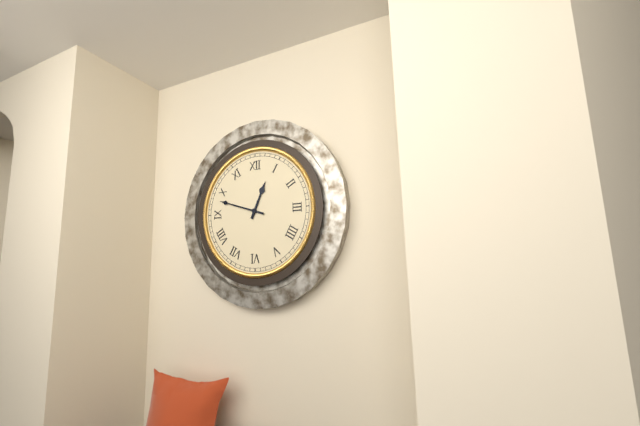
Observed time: 12:48
